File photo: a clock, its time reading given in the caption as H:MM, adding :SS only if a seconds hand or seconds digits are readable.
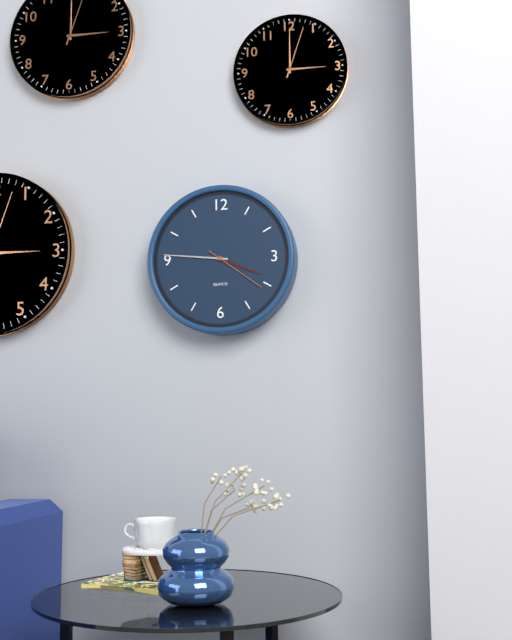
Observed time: 3:46:21
